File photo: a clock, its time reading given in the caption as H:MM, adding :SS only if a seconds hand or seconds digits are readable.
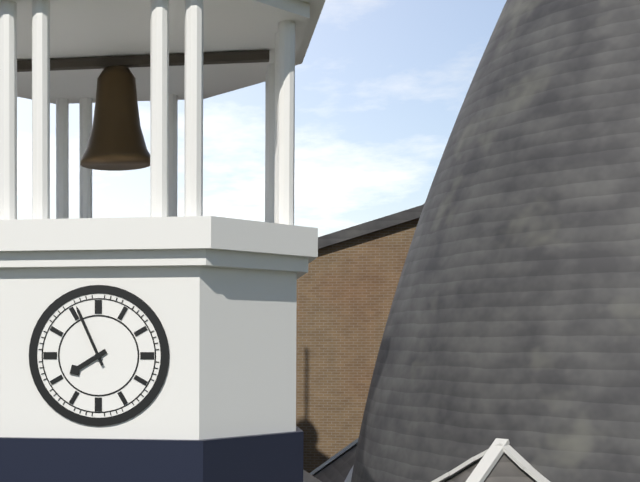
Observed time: 7:56
